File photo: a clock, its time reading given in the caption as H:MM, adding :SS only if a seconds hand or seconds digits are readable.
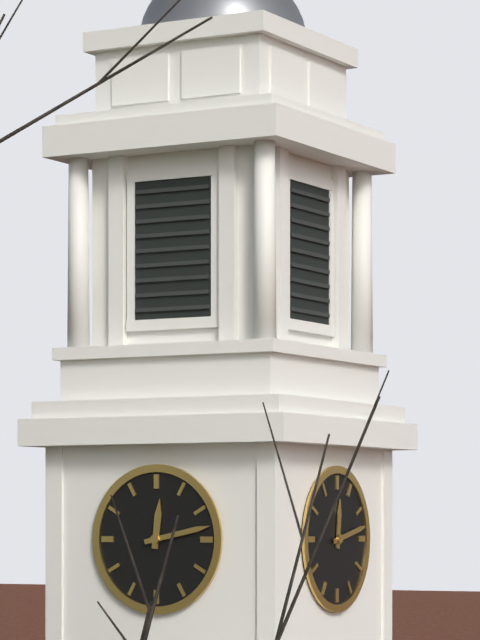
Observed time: 12:13
